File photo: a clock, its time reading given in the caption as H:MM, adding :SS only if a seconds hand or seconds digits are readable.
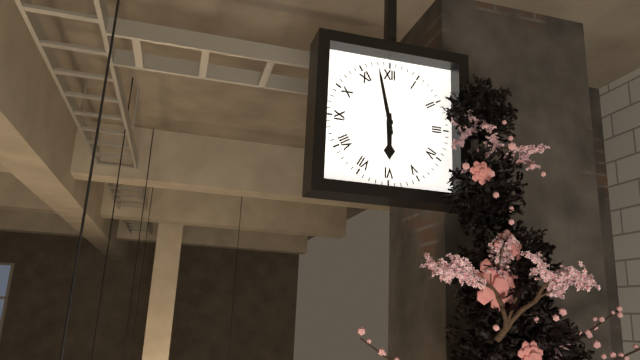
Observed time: 5:58
